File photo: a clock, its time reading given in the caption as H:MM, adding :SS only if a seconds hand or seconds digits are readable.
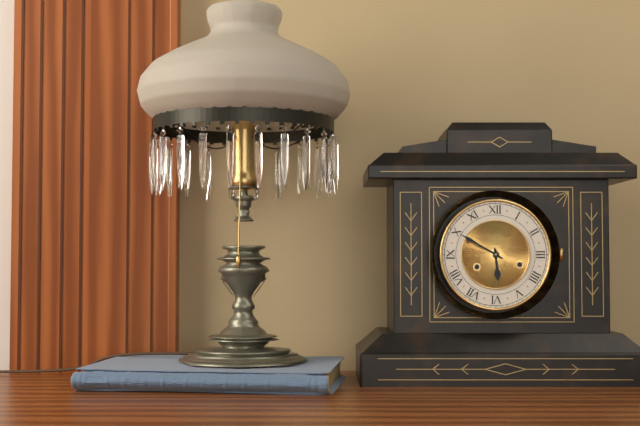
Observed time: 5:50
